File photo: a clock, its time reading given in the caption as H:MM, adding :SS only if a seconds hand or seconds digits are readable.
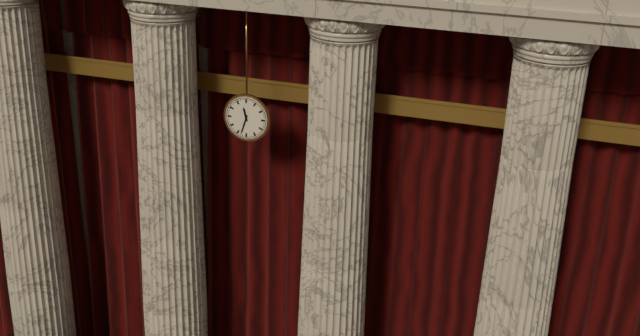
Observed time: 11:33
